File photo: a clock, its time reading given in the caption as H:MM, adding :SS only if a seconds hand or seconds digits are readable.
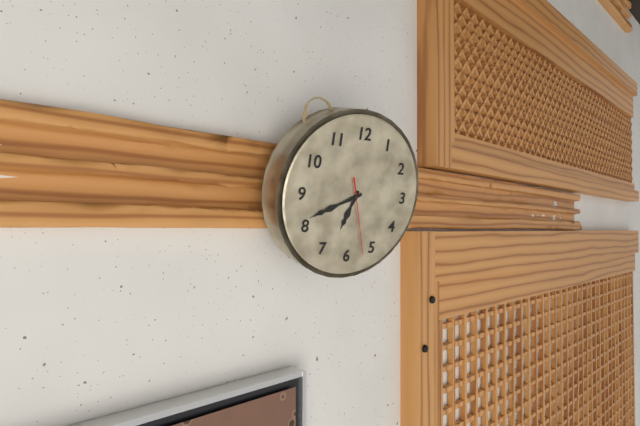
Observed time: 6:41:27
